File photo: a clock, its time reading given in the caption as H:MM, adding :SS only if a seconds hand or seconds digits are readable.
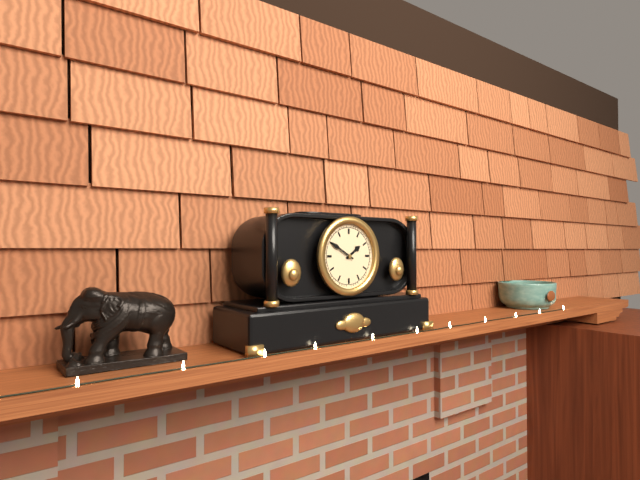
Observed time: 1:50
